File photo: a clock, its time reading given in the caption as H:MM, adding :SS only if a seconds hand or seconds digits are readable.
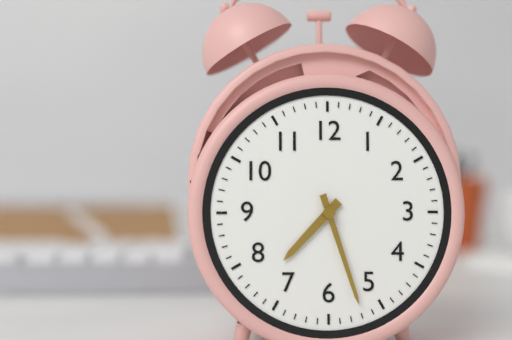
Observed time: 7:27
